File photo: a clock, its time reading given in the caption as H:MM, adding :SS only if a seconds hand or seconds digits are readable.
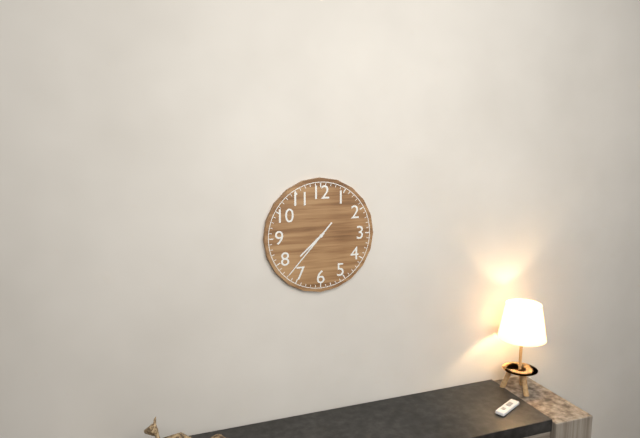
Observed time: 7:37
